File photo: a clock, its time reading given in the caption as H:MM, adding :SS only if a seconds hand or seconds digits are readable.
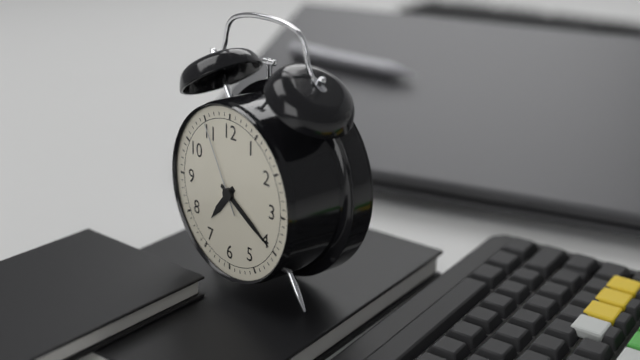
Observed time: 7:20:55
